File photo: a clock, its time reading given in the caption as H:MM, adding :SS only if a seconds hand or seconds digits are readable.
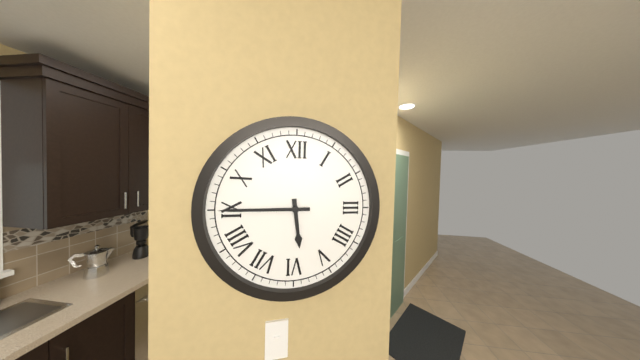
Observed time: 5:45
